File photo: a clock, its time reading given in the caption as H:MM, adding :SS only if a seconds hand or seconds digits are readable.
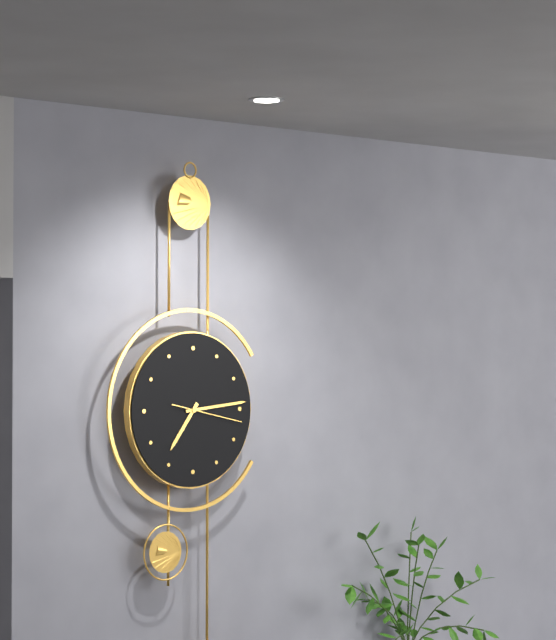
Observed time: 7:14:17
